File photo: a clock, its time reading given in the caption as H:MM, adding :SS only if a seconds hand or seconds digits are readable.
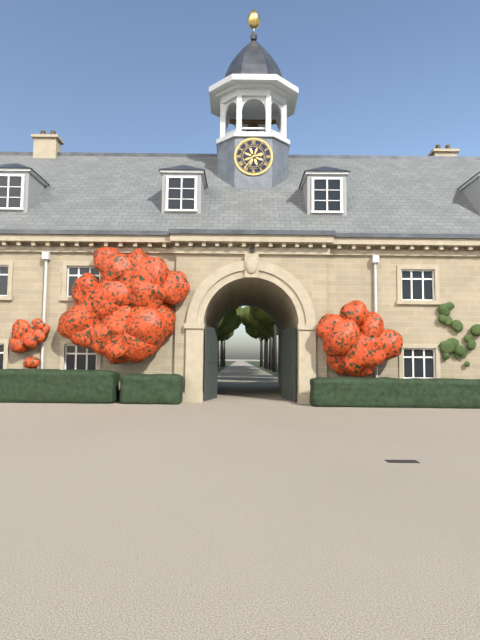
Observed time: 2:36
